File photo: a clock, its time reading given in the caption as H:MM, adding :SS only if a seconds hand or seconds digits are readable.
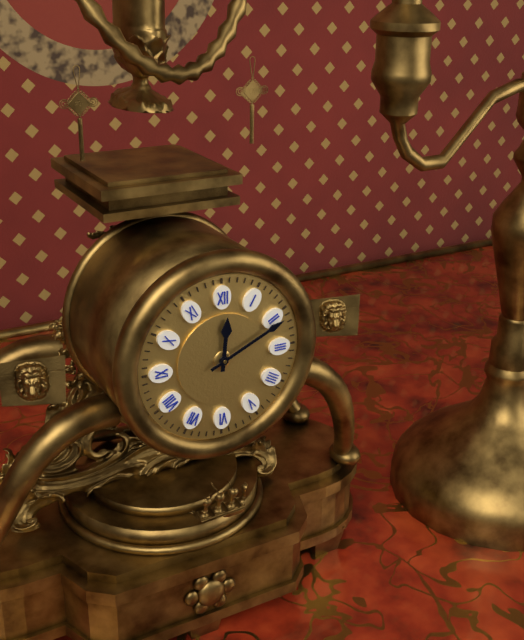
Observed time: 12:11
